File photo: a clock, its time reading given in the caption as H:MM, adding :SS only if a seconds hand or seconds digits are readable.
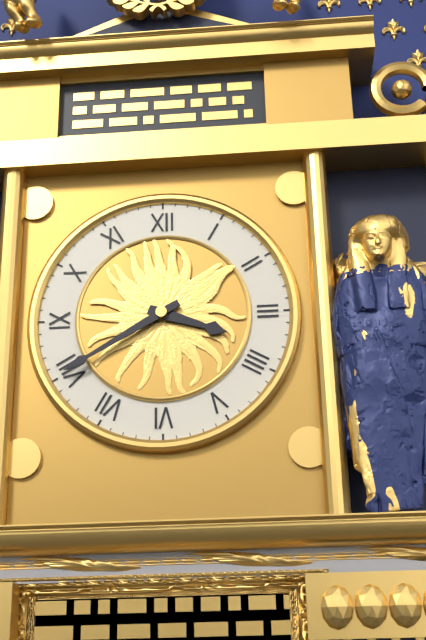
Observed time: 3:40
